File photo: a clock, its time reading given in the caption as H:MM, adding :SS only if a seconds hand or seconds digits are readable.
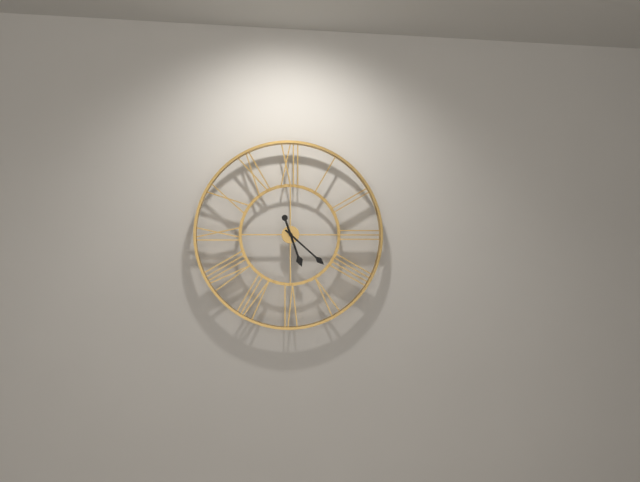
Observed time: 5:22
